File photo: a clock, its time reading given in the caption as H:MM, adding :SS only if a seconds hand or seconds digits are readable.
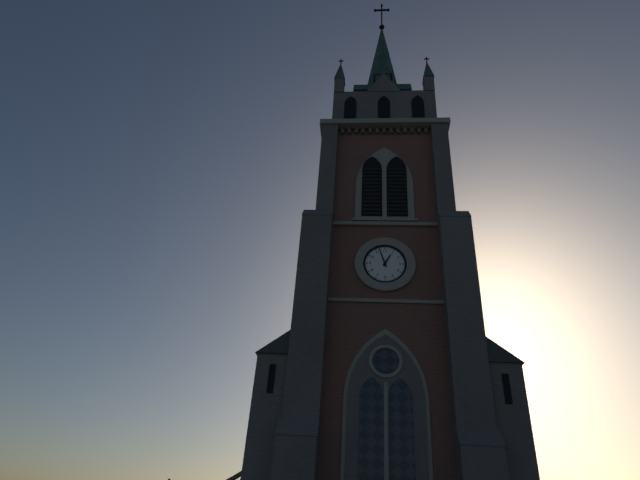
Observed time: 12:57
